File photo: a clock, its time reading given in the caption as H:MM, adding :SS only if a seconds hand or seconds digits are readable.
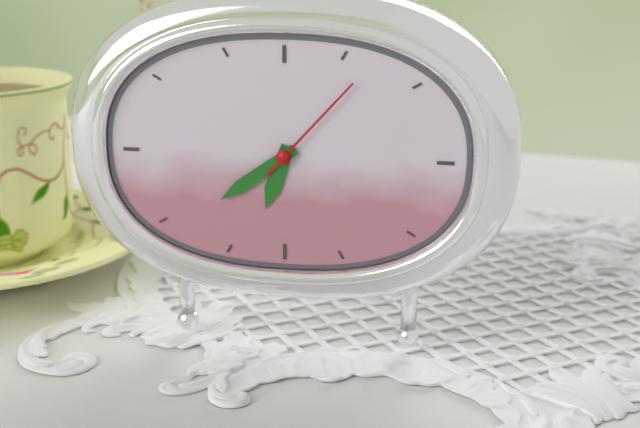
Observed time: 6:39:07
